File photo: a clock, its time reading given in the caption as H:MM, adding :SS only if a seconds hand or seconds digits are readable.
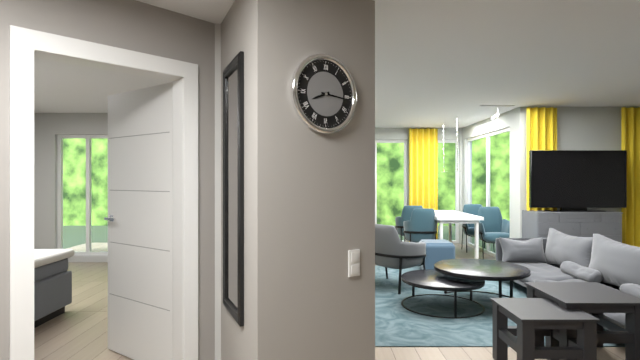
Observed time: 8:16
